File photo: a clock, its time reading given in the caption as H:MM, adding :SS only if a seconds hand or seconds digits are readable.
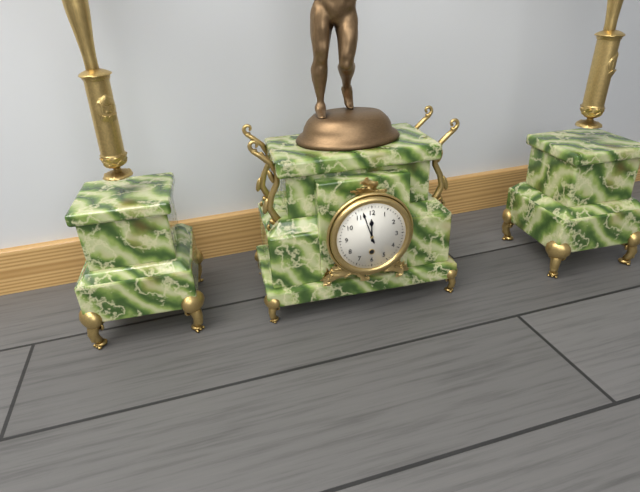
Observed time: 11:57
